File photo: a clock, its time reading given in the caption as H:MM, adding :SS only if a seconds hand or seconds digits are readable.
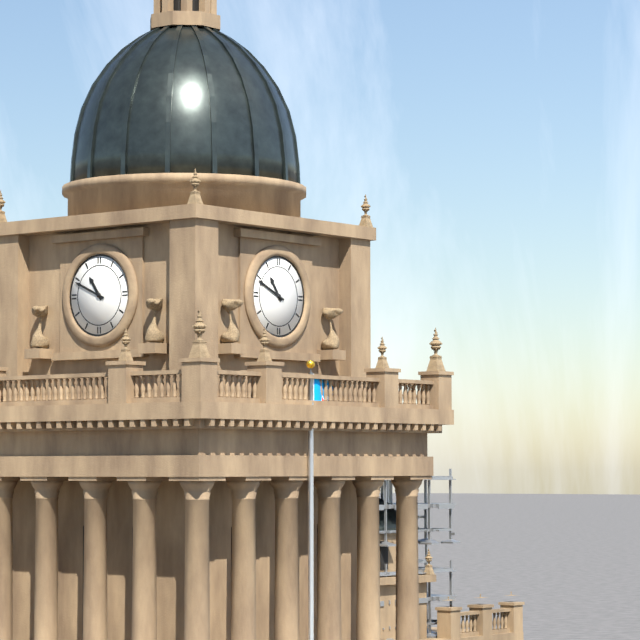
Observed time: 10:49
